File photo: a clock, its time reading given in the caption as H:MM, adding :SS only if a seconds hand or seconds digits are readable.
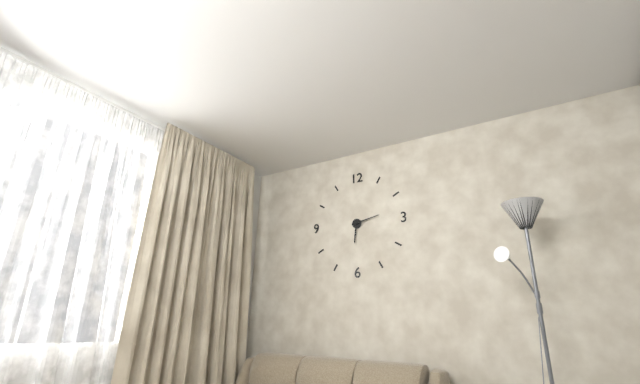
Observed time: 6:13
